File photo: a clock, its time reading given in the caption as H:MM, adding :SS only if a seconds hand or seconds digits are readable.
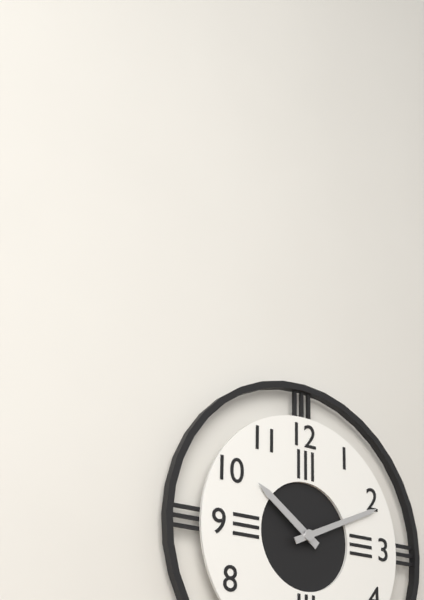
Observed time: 10:11
